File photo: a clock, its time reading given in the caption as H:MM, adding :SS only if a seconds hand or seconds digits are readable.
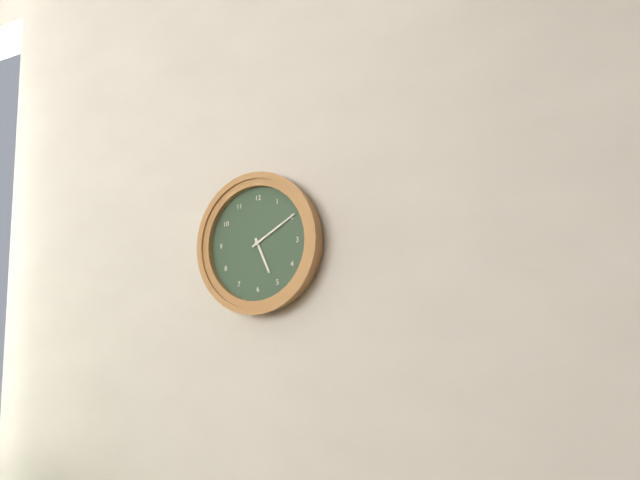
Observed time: 5:10
